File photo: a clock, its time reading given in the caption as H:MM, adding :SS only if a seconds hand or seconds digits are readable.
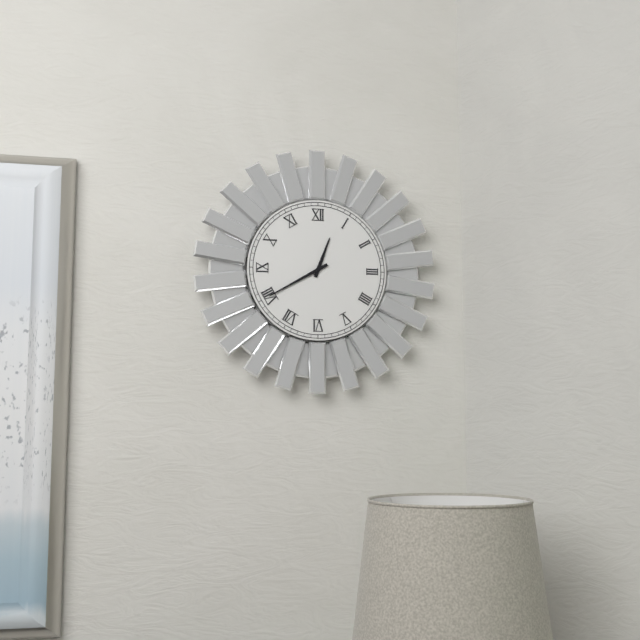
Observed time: 12:40
